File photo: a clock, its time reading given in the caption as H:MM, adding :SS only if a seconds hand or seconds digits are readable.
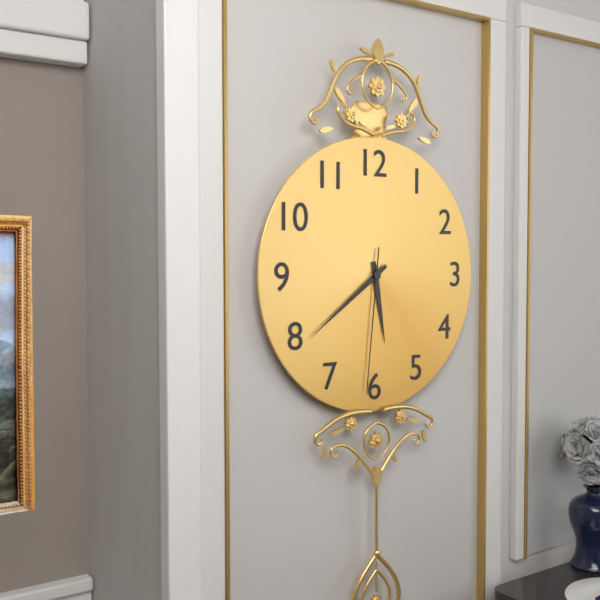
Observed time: 5:39:31
